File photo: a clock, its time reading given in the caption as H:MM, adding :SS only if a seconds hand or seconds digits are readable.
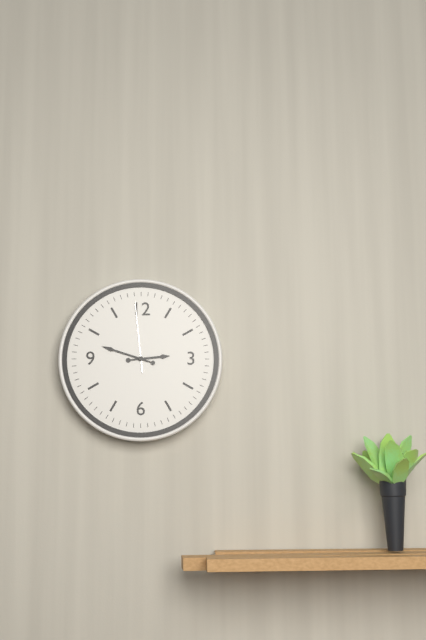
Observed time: 2:48:59
